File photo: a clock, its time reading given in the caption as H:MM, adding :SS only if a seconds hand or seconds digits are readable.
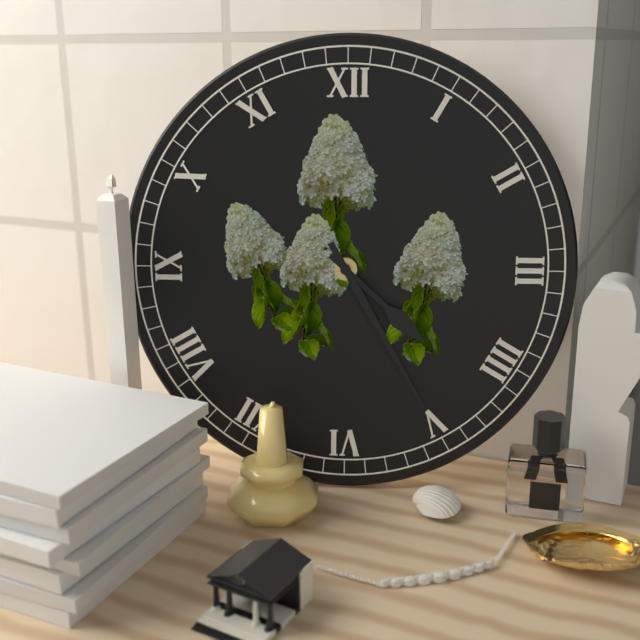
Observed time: 4:25
